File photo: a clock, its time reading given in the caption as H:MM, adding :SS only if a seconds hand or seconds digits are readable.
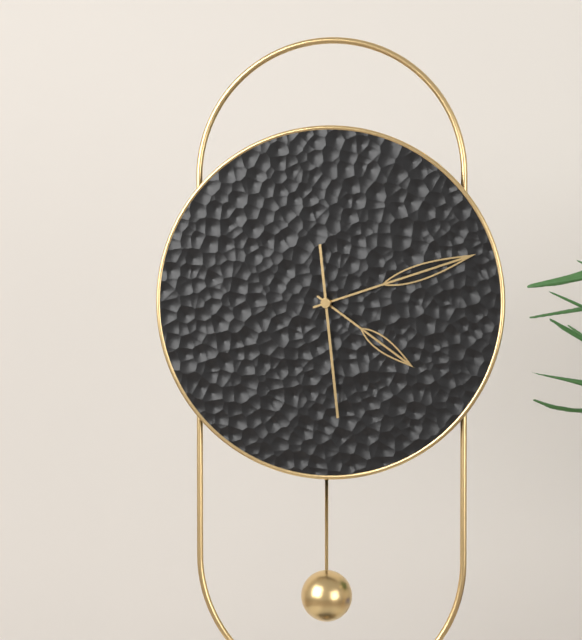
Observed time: 4:12:29
